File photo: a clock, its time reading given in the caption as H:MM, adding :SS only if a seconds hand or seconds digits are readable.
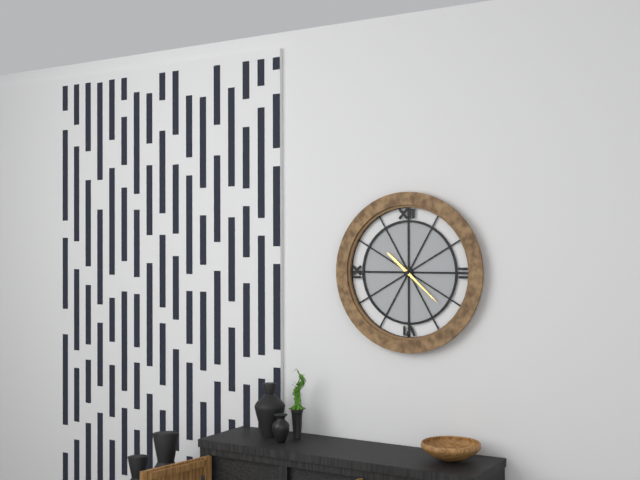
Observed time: 10:22
